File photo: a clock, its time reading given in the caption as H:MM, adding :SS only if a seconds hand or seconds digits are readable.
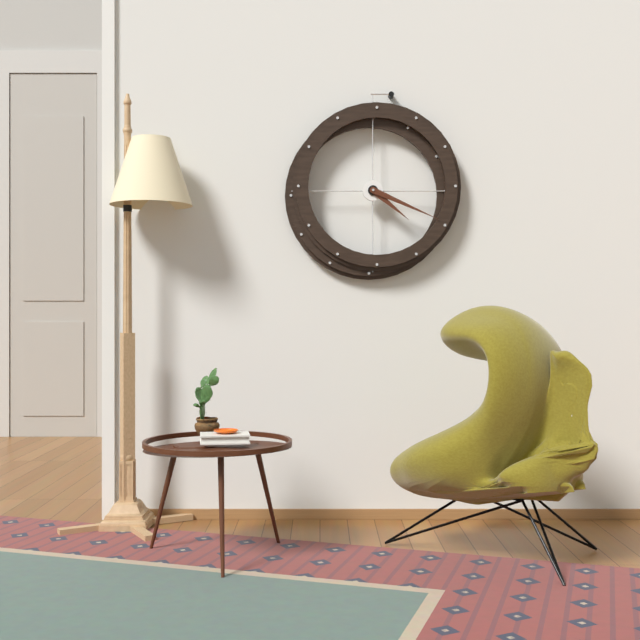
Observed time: 4:19
